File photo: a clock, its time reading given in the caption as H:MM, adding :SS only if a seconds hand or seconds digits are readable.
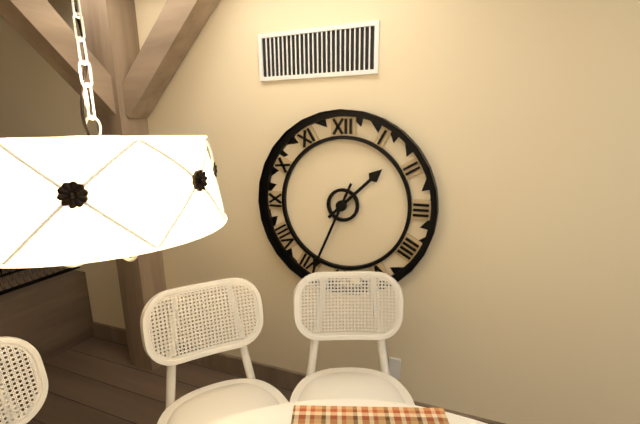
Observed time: 1:34
